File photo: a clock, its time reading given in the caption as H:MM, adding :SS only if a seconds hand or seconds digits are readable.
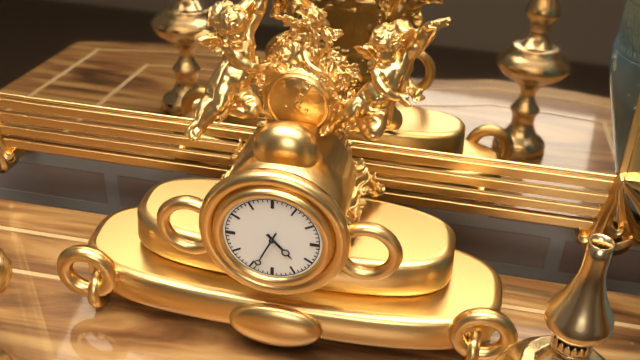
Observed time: 4:34
